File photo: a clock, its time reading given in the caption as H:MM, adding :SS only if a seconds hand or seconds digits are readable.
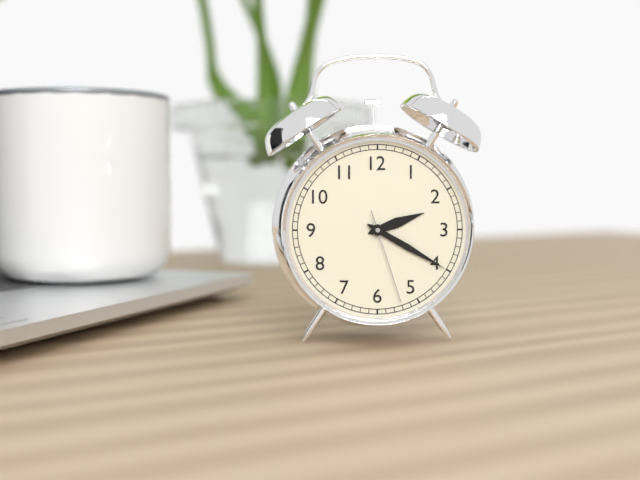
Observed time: 2:20:27
